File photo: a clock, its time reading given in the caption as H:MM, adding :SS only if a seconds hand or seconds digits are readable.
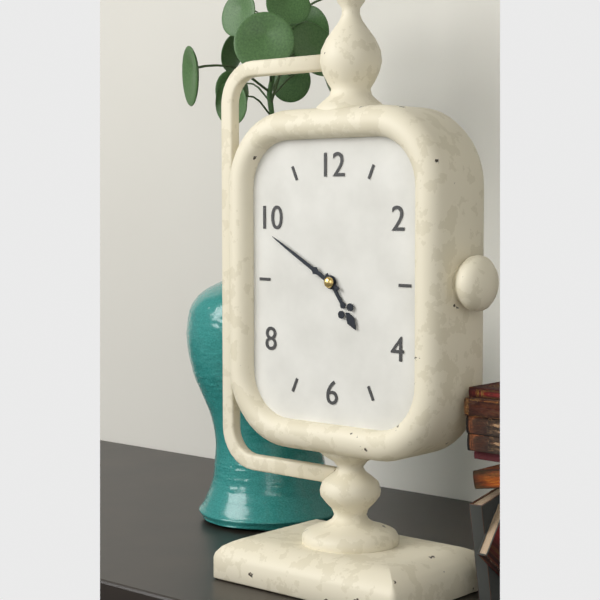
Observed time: 4:50
